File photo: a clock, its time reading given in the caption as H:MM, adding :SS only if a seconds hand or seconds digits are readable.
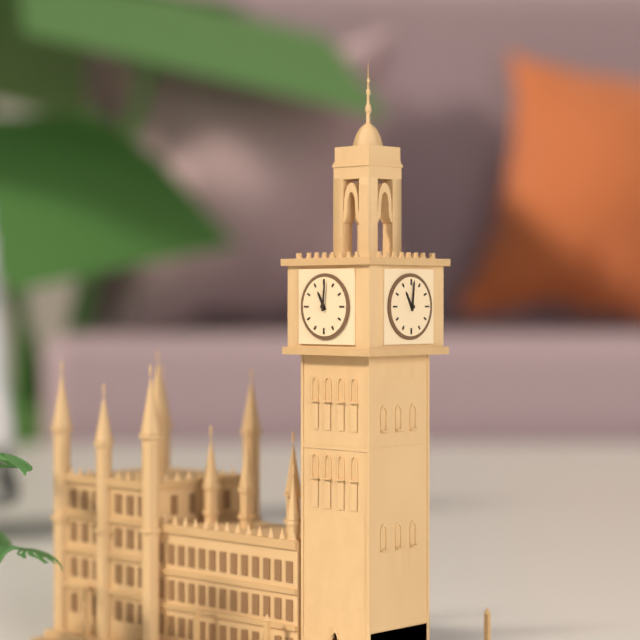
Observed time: 11:01
